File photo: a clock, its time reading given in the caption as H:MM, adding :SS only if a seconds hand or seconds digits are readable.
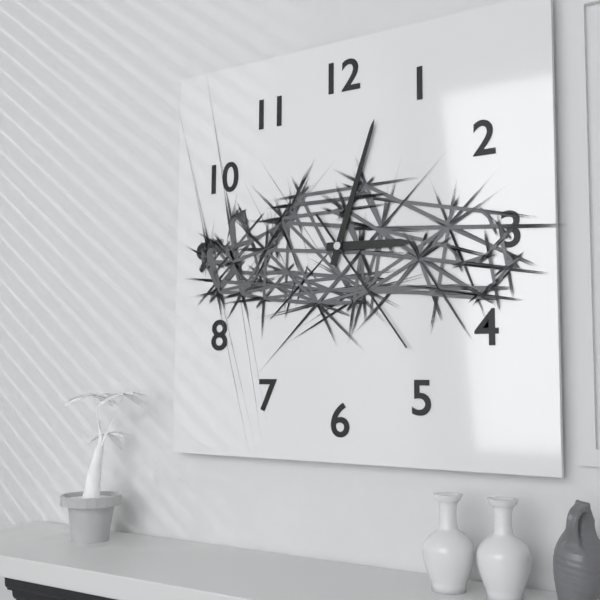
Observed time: 3:03:24
